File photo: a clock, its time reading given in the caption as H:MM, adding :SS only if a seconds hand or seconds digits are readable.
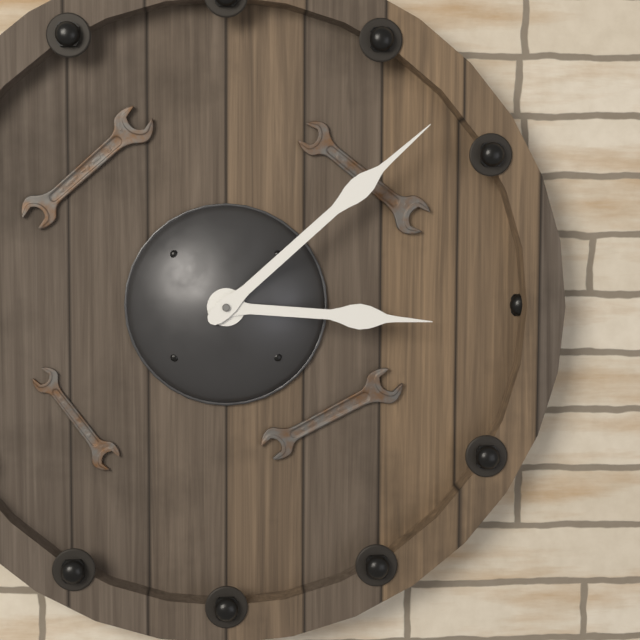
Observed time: 3:08
